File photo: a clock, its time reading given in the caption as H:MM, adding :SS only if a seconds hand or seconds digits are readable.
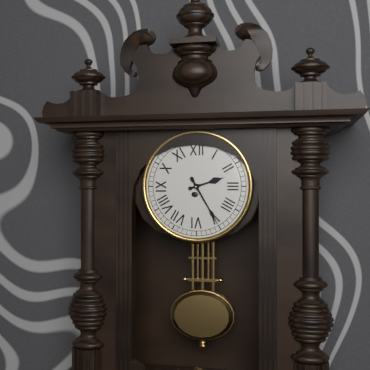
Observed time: 2:25
